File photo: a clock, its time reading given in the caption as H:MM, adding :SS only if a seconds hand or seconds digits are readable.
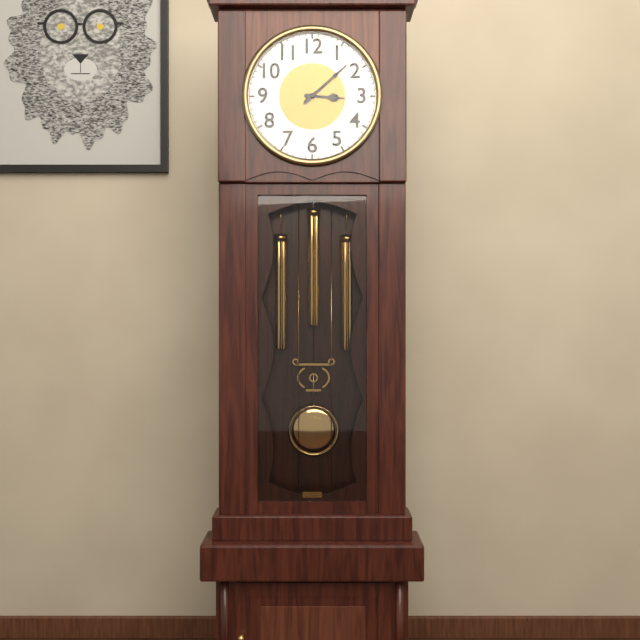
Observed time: 3:08
